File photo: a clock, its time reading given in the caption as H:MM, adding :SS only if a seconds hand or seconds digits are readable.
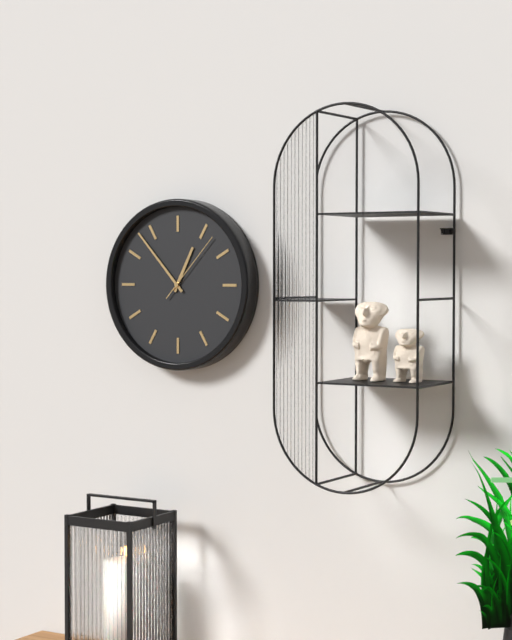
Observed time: 12:53:07
